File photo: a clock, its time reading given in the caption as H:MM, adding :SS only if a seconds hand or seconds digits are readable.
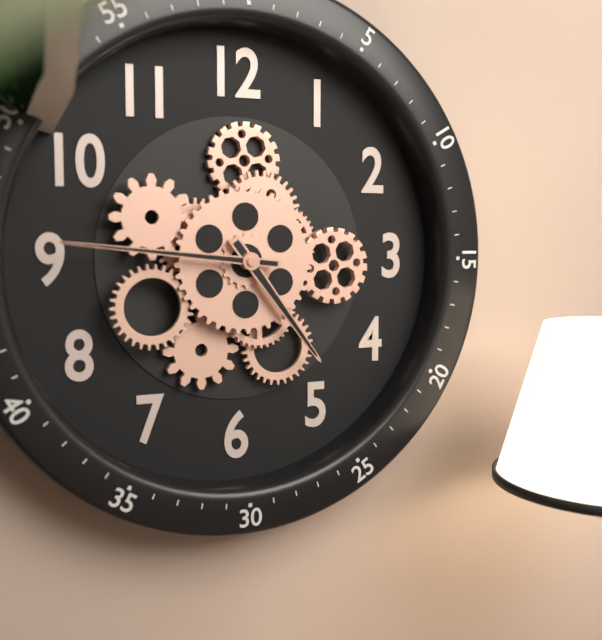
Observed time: 4:46
